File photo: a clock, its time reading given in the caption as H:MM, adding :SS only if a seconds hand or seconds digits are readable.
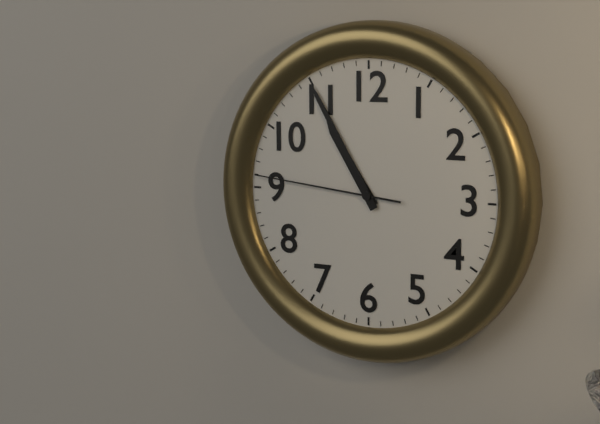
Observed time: 10:55:46
